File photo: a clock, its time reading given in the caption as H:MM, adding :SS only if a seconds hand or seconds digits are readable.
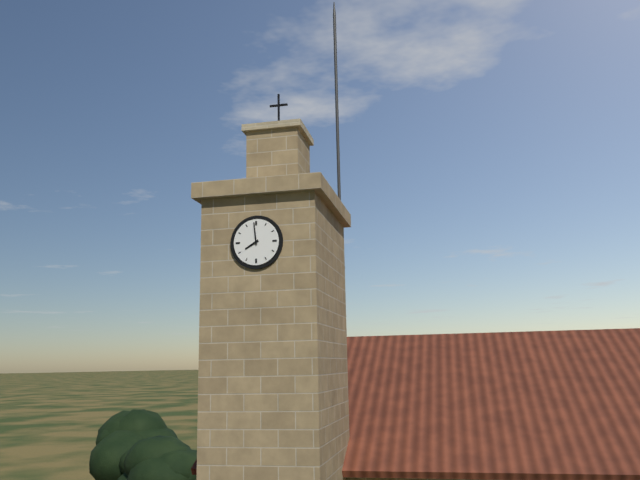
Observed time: 7:59
